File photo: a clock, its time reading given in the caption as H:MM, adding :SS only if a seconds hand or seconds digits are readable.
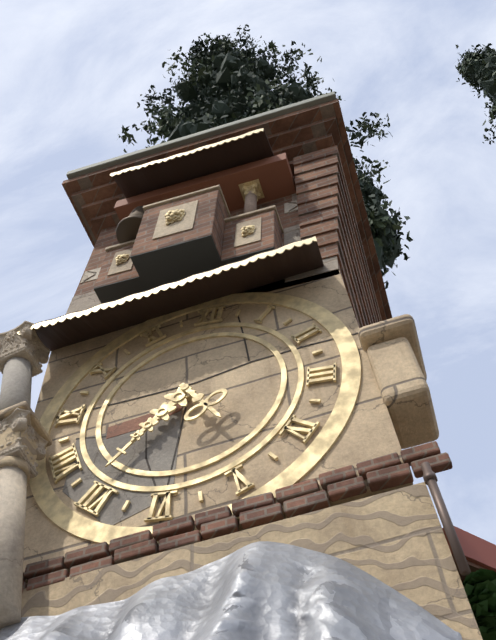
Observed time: 4:36
